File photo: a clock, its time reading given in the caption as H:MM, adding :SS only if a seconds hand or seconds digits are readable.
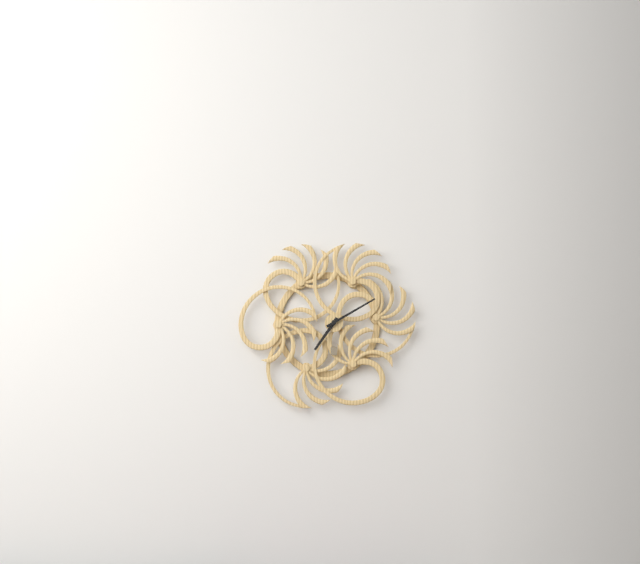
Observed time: 7:10
